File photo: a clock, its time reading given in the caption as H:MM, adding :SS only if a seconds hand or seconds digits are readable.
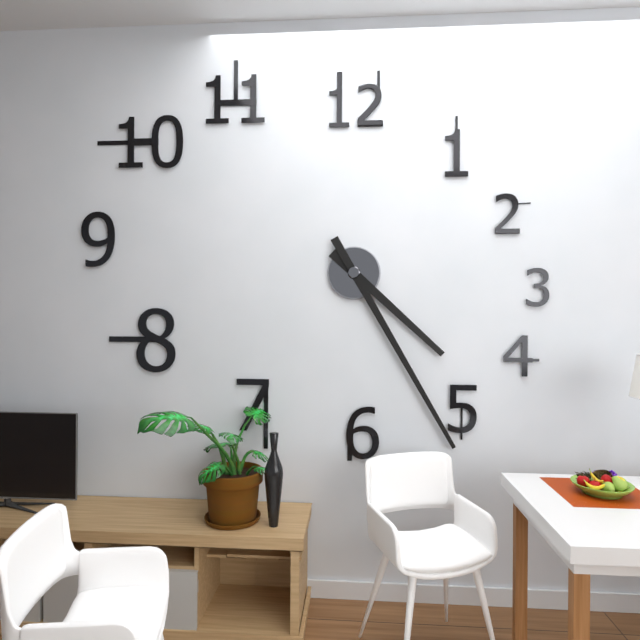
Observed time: 4:25
